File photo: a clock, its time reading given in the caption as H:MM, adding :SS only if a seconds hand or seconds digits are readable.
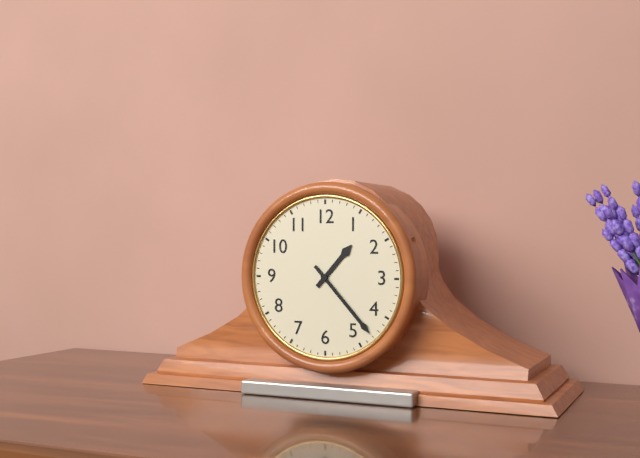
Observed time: 1:23
